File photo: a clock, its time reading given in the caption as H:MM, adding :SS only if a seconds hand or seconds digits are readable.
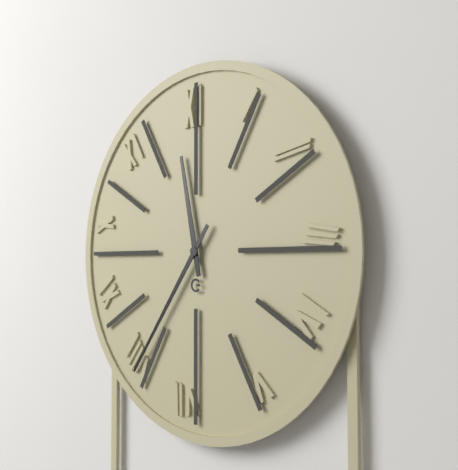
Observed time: 11:36
